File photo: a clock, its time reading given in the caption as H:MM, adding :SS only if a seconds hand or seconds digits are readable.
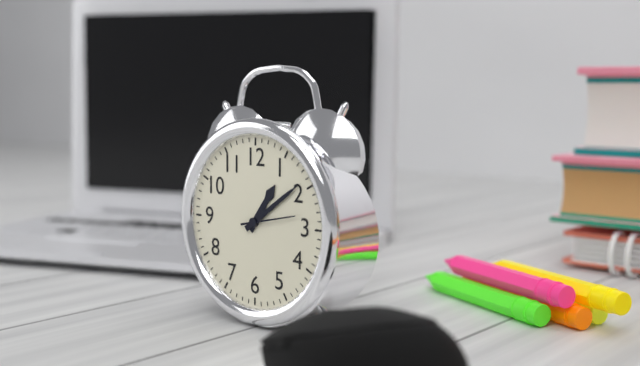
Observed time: 1:09:13
